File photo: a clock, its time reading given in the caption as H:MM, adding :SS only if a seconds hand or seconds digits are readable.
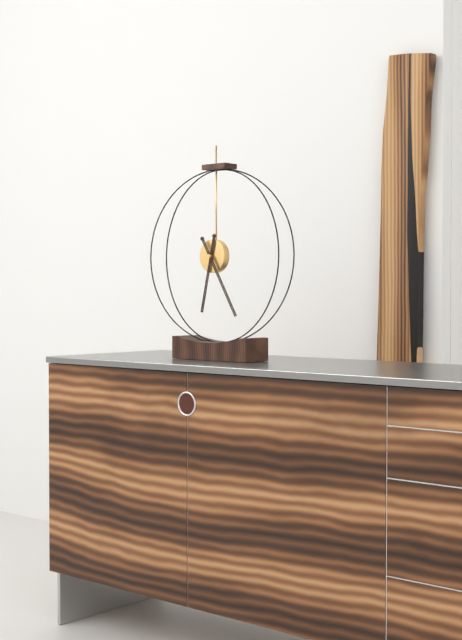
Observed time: 6:25
